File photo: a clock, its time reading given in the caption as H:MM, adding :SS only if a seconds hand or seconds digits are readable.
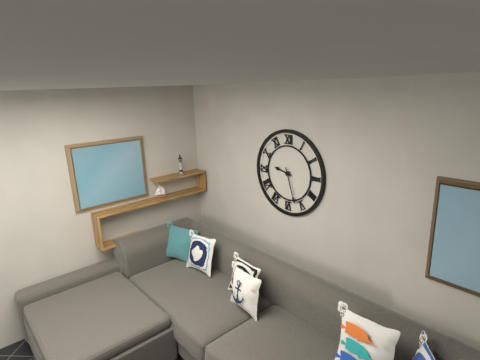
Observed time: 9:27
